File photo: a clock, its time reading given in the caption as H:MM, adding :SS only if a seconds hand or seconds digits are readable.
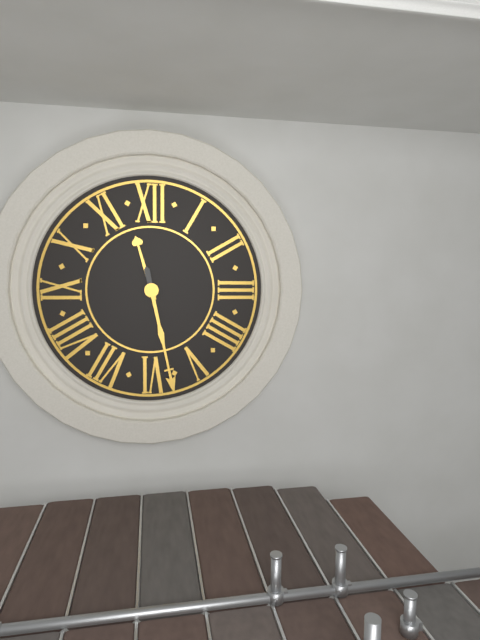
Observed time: 11:28
